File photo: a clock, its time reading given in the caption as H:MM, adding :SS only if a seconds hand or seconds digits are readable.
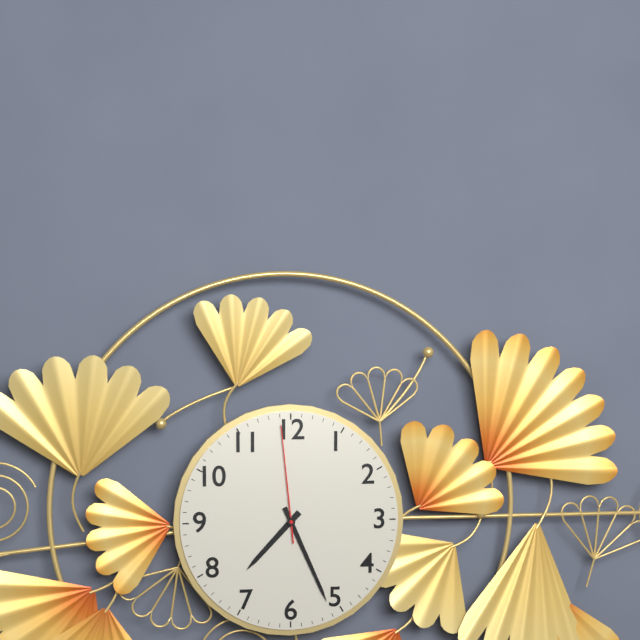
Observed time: 7:26:59
